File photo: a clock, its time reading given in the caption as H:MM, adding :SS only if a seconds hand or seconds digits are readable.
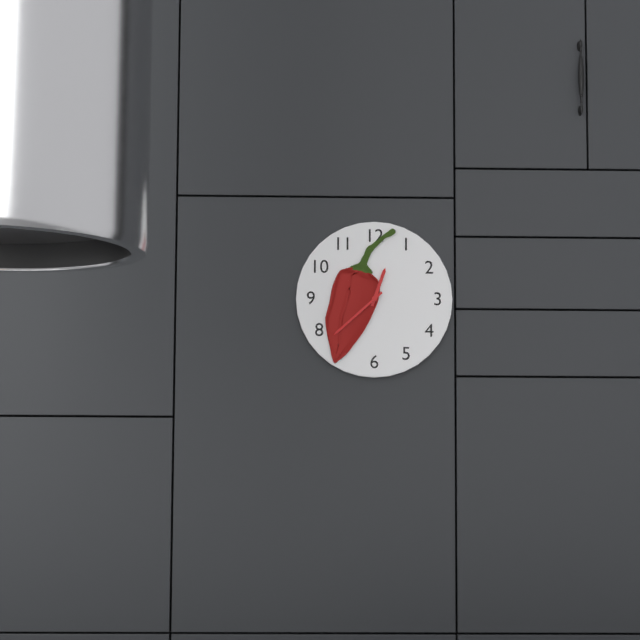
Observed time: 12:38
